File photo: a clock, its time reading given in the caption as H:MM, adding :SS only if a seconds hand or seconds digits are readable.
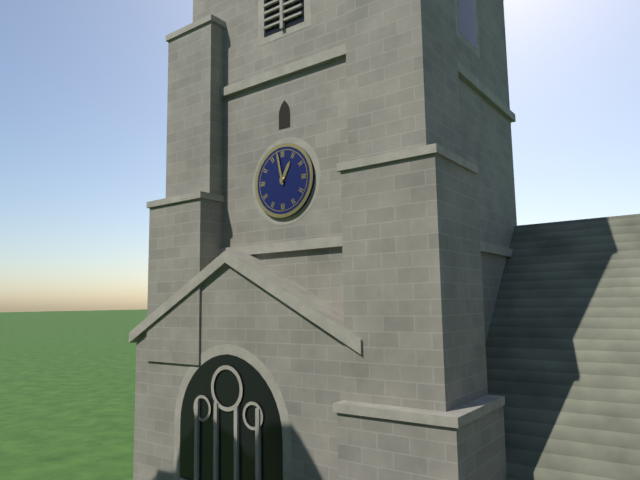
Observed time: 12:58
